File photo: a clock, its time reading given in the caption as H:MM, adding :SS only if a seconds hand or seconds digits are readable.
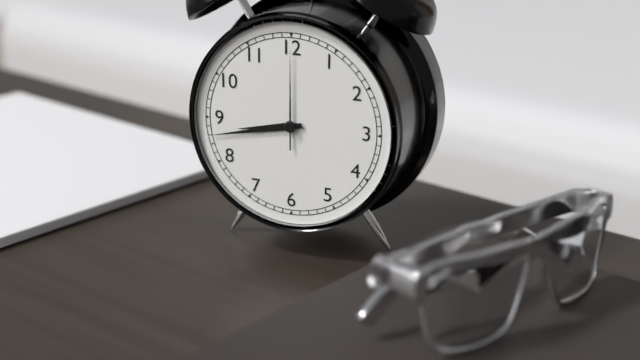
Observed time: 8:43:00
